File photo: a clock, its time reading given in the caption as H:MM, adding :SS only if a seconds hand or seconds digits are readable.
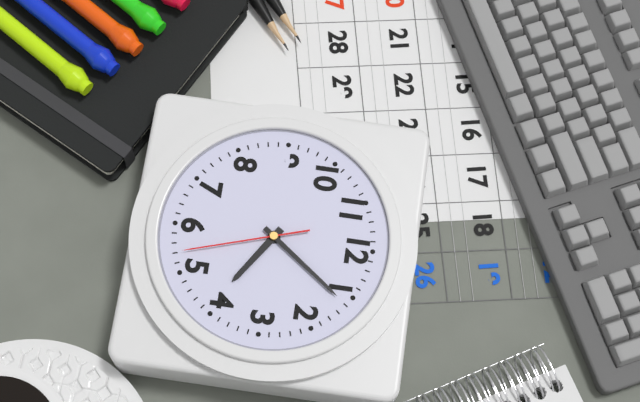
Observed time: 4:06:27
